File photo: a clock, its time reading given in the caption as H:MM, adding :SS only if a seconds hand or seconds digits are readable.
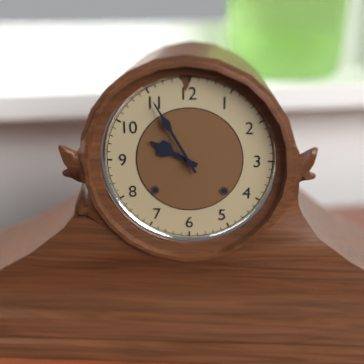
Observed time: 9:55
